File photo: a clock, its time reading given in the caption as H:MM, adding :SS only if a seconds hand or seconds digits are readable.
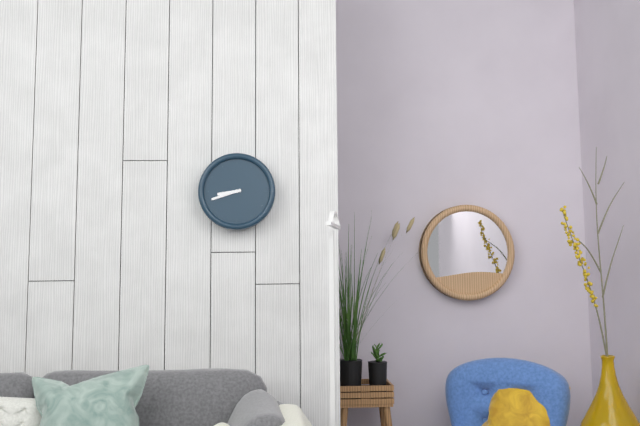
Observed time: 8:42
